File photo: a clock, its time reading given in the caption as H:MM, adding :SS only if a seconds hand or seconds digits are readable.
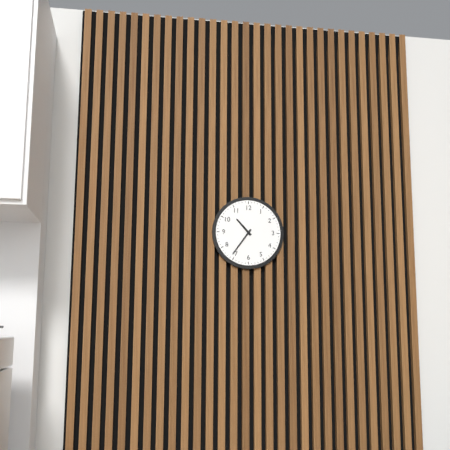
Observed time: 10:36
